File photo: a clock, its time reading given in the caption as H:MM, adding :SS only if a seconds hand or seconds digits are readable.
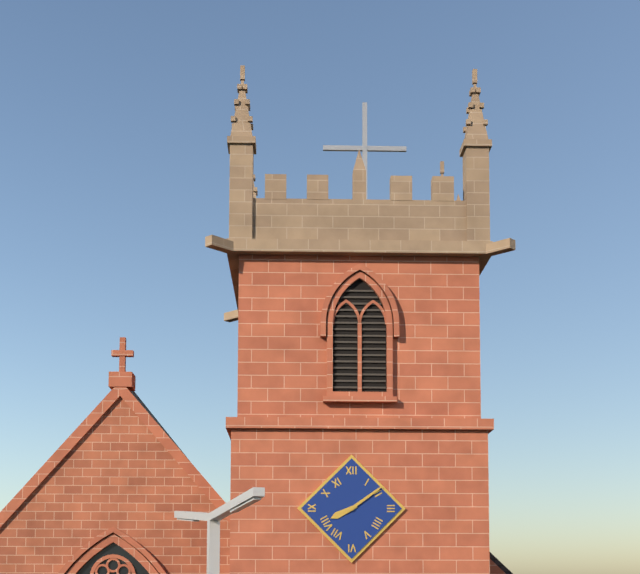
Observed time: 8:09
